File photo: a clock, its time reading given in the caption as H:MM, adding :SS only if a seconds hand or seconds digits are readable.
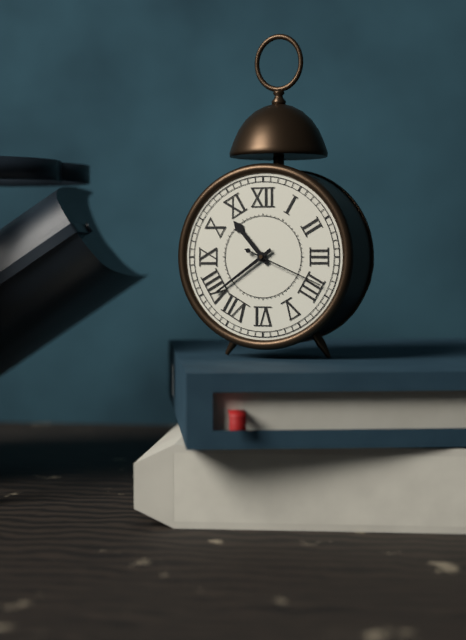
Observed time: 10:39:19
